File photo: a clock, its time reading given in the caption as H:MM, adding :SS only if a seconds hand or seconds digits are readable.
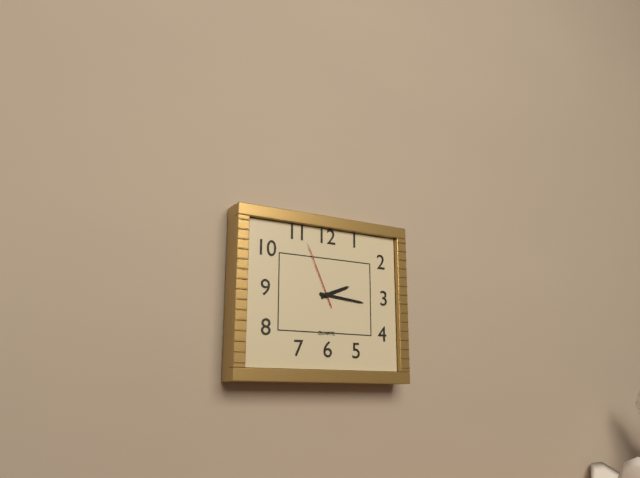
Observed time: 2:16:56
